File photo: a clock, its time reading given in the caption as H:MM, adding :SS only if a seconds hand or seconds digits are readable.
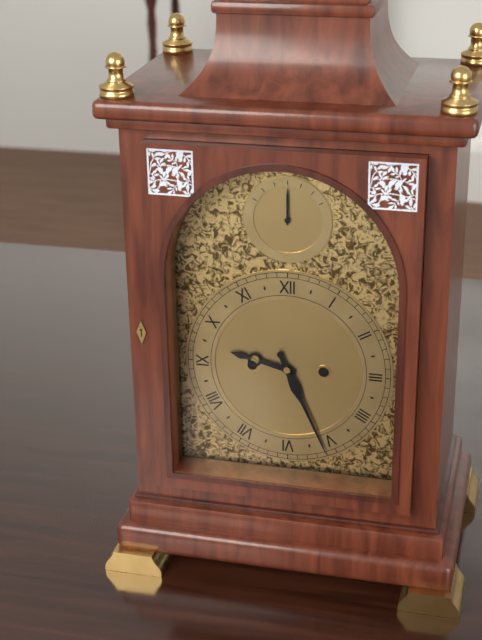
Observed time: 9:26
